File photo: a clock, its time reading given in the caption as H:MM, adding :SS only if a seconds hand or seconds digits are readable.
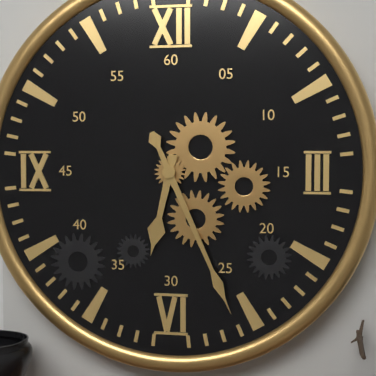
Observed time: 6:26
